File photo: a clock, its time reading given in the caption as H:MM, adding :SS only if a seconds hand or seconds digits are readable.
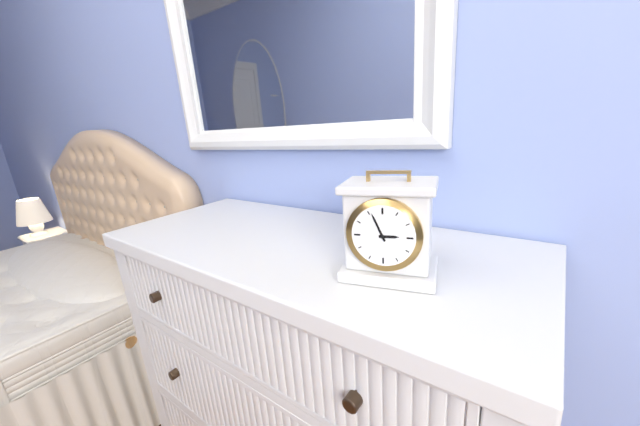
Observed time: 2:56
